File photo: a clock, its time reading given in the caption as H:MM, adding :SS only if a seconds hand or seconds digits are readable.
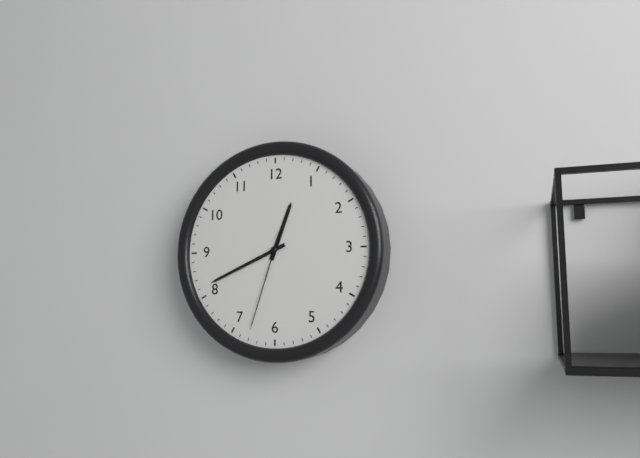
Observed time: 12:41:33
